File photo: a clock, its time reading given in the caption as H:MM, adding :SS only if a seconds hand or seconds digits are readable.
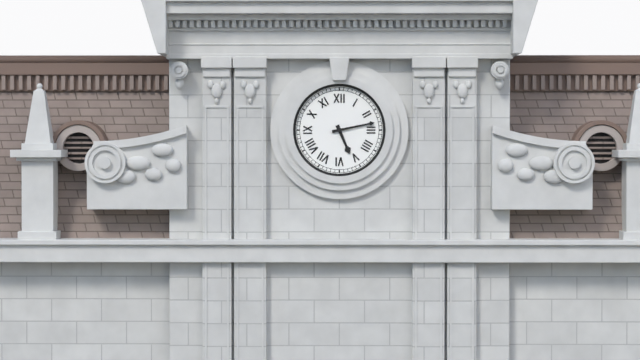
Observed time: 5:13
